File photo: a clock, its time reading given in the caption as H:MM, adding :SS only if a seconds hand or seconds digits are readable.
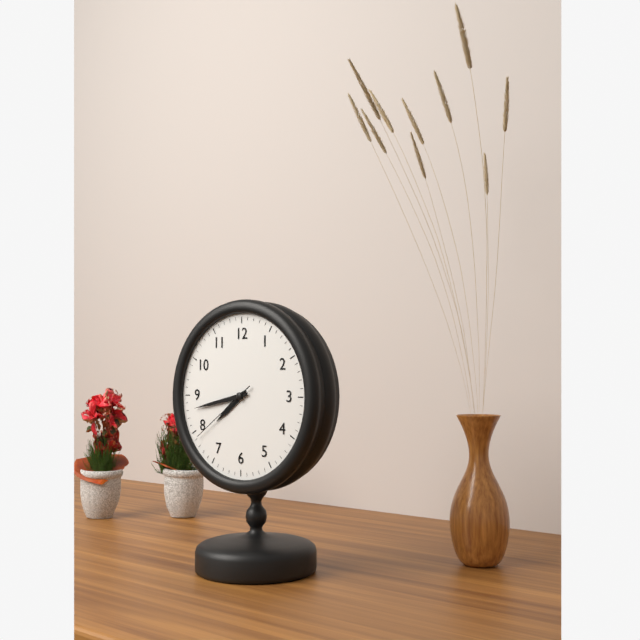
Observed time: 7:43:39
